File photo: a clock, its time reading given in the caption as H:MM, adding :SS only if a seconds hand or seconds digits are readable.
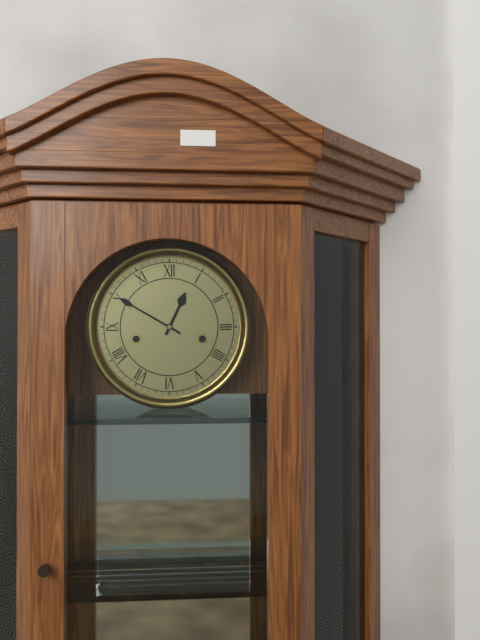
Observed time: 12:50
